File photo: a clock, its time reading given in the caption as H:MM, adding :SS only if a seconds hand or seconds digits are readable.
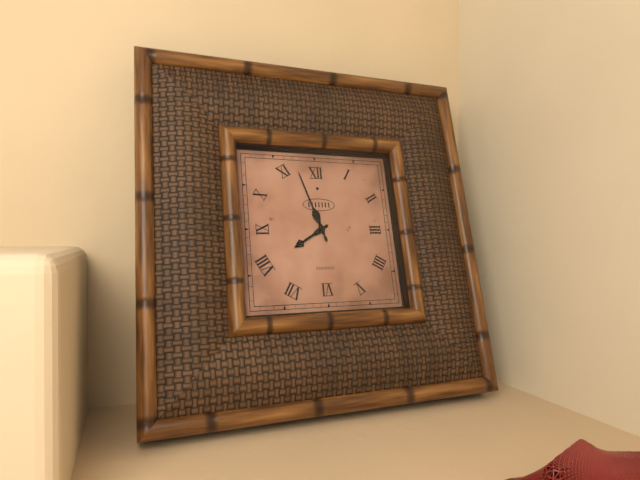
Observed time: 7:57
